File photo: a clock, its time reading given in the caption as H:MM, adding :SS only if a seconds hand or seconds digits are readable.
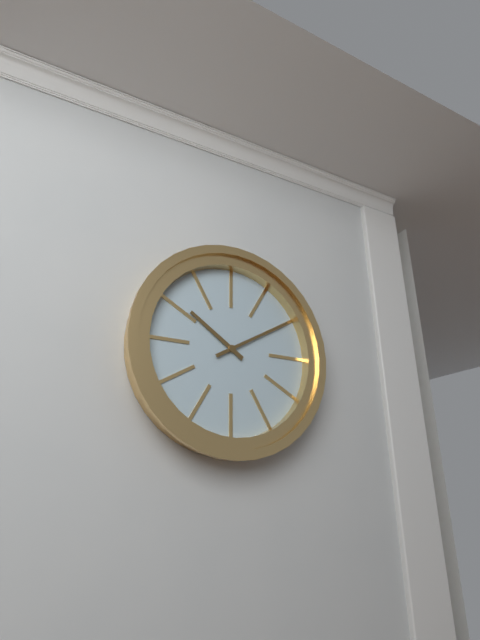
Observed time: 10:10
